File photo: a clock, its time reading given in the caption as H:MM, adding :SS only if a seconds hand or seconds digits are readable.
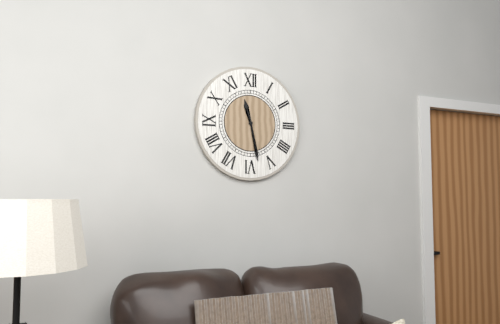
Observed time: 11:28
